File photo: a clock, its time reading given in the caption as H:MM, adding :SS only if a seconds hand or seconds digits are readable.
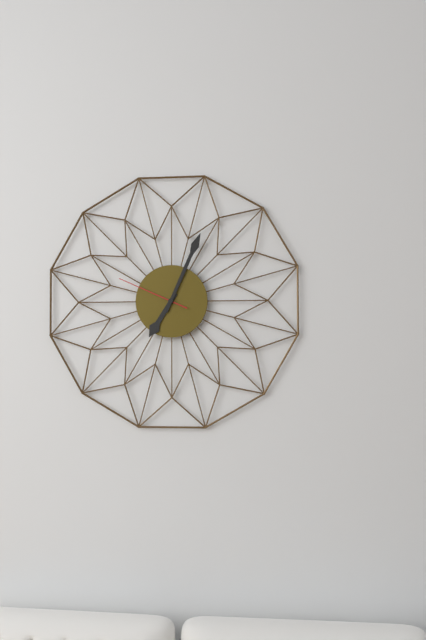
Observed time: 7:04:49
